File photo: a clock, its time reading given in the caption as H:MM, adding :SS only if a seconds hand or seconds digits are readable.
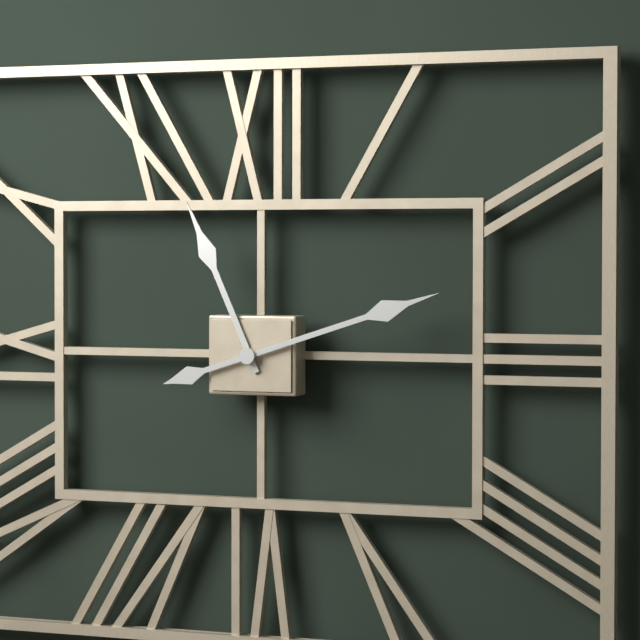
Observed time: 11:12
